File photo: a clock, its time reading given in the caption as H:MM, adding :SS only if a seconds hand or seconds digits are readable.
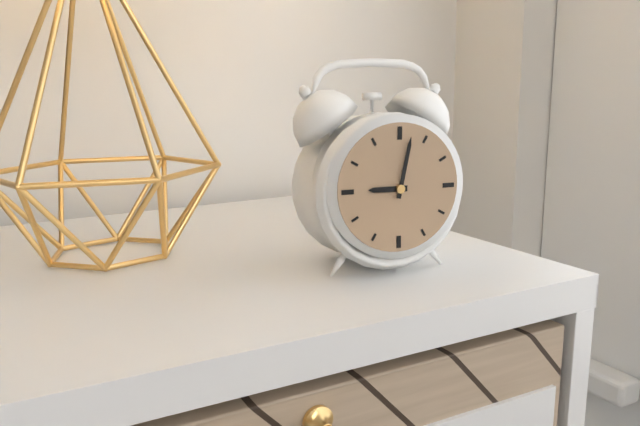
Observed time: 9:02
